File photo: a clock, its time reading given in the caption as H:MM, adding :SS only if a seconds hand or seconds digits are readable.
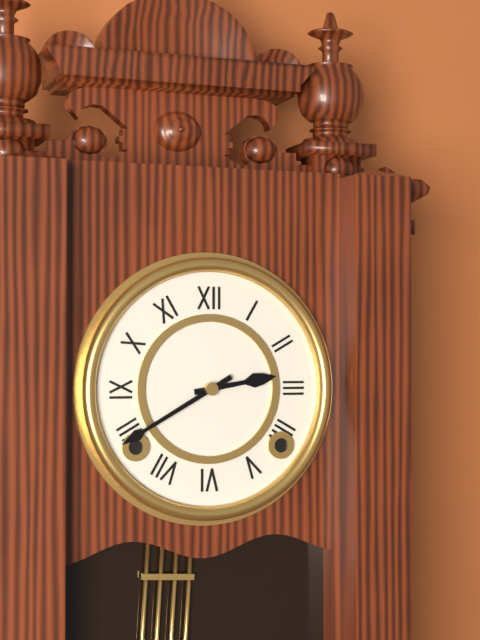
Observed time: 2:40
